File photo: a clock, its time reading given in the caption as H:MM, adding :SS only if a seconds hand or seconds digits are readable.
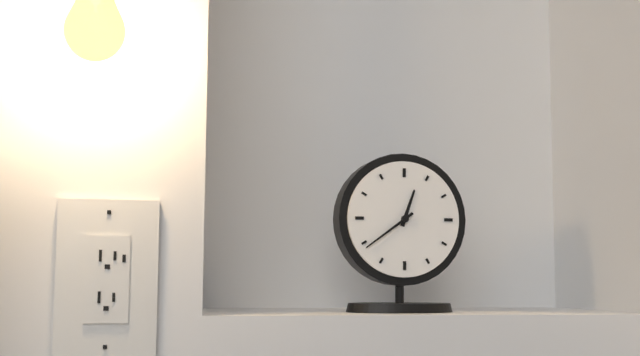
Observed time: 12:39
